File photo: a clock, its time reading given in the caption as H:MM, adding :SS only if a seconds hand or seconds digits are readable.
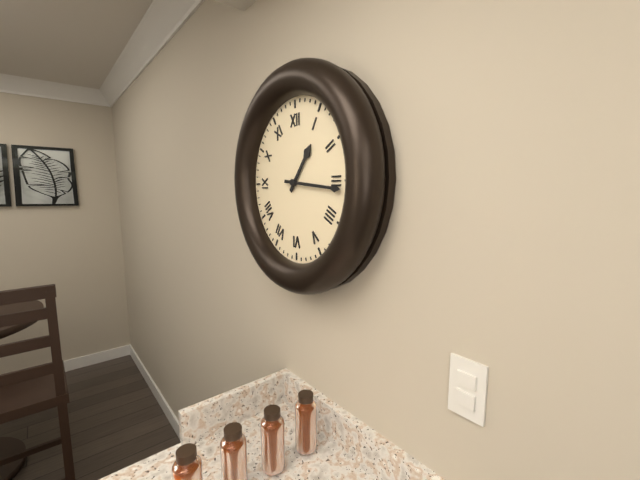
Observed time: 1:16
